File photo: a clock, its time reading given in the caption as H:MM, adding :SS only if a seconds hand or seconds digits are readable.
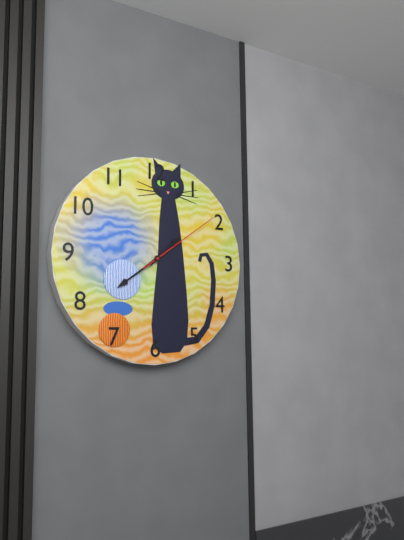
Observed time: 1:39:09
